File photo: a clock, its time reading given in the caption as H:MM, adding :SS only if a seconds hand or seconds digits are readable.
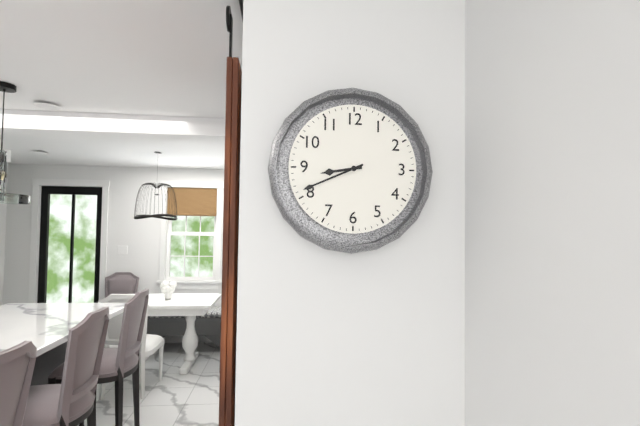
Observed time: 8:41
